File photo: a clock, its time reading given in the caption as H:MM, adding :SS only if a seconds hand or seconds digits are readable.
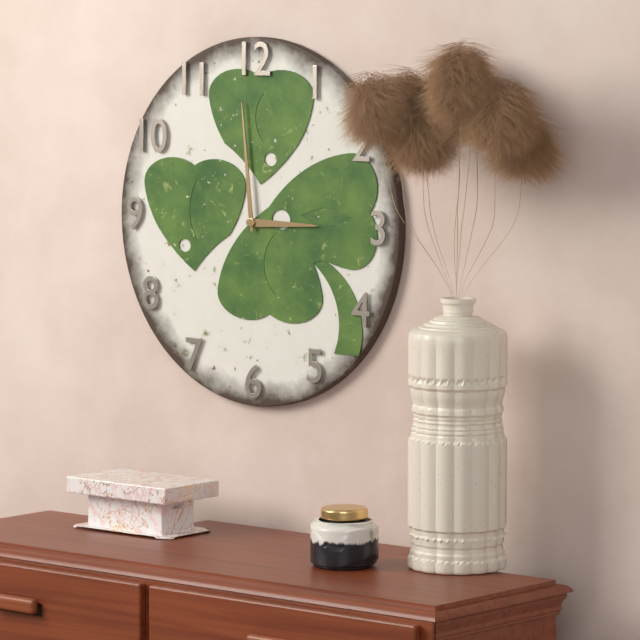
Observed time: 2:59
